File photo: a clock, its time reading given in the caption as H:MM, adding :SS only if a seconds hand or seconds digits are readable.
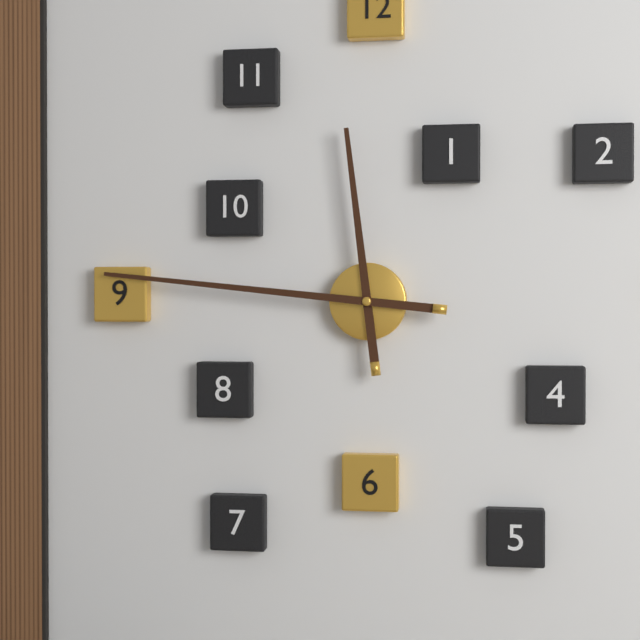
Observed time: 11:46
